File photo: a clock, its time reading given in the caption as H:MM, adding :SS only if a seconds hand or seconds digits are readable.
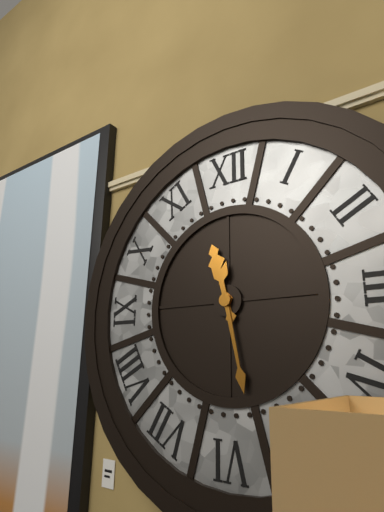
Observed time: 11:28
